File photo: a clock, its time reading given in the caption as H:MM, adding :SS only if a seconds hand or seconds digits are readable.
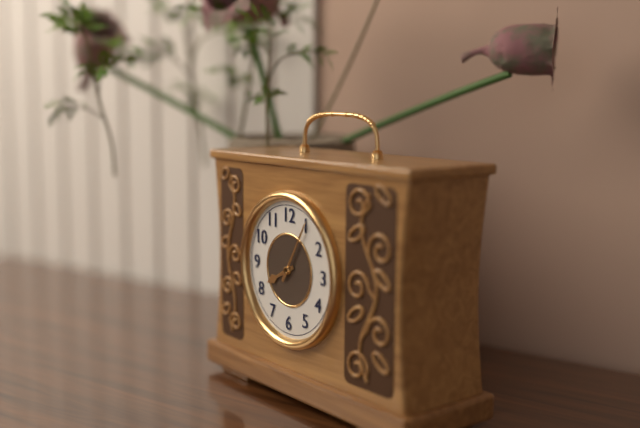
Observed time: 8:05
